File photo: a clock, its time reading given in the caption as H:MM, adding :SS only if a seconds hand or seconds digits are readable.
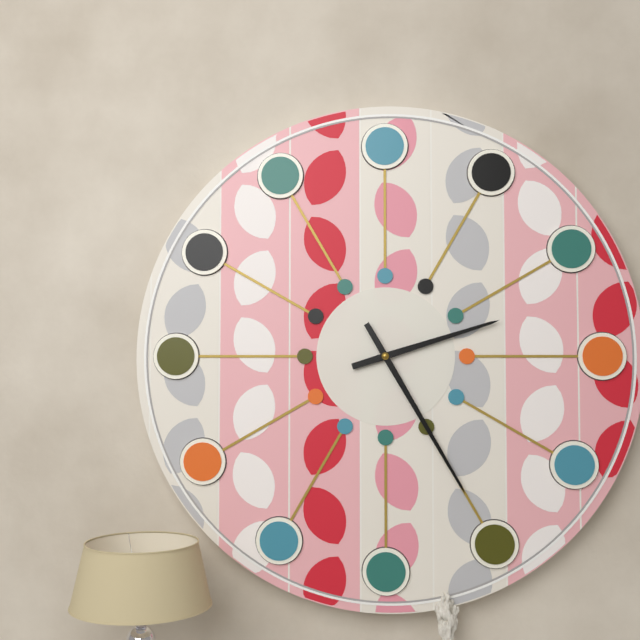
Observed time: 2:25
